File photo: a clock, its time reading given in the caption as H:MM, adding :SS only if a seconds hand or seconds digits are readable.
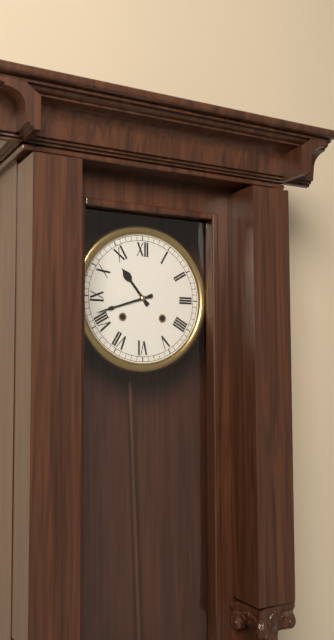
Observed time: 10:42
